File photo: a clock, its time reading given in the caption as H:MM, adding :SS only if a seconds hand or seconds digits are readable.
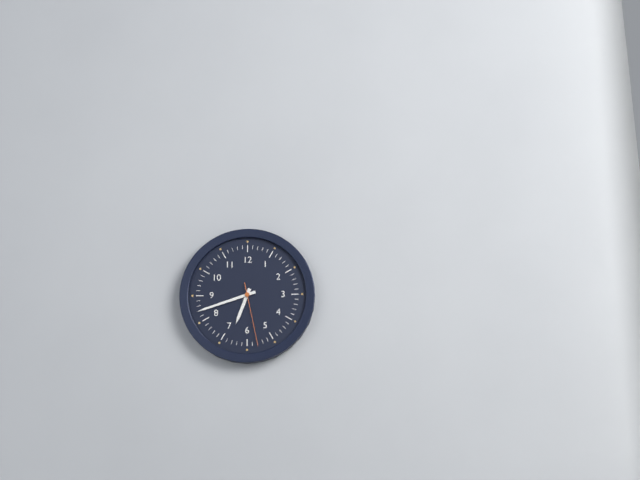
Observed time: 6:42:28
